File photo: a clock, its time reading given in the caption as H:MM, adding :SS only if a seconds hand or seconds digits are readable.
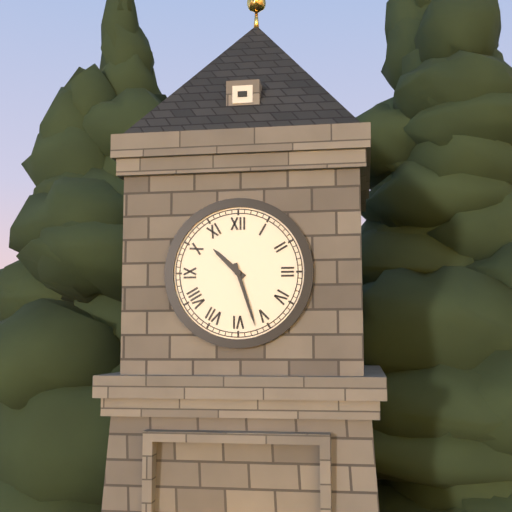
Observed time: 10:27
